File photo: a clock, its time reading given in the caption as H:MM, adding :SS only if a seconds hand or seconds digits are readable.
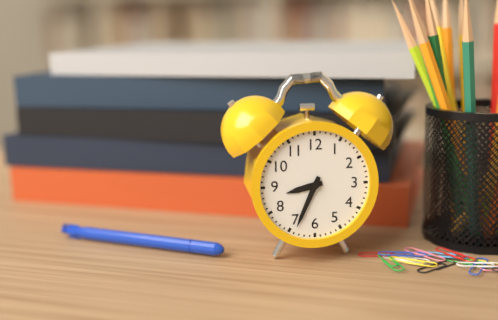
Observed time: 8:34
